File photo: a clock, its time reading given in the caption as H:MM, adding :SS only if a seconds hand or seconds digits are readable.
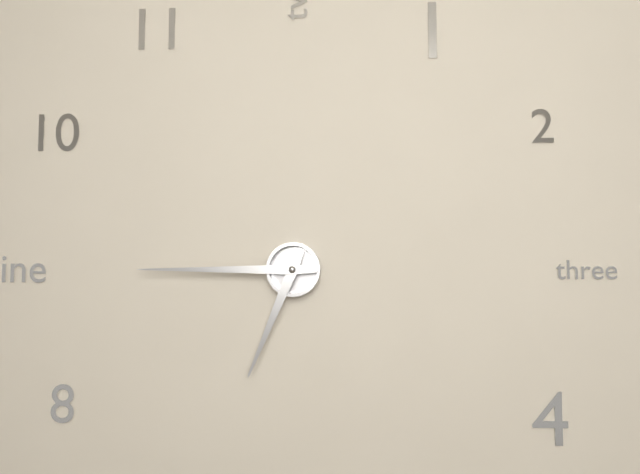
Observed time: 6:45
